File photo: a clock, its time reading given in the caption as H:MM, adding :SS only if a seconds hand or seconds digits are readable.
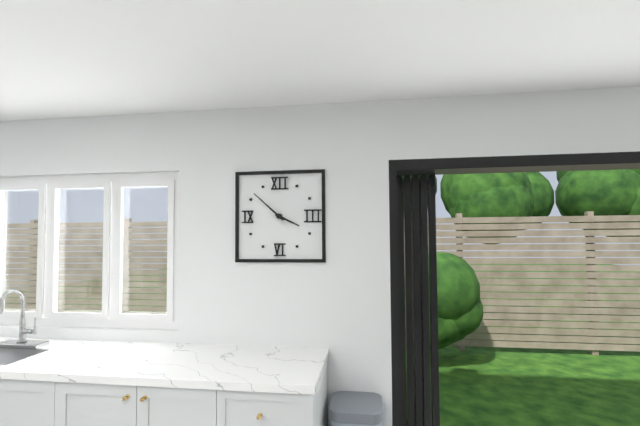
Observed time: 3:52
